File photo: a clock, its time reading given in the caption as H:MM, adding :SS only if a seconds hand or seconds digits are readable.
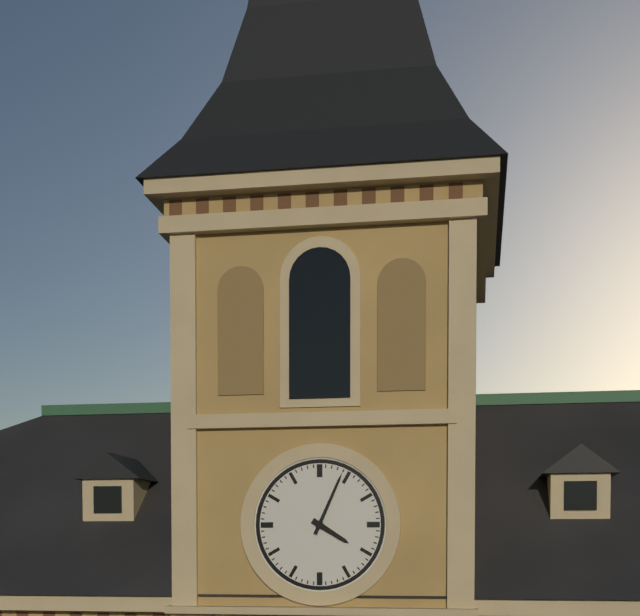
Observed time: 4:04
